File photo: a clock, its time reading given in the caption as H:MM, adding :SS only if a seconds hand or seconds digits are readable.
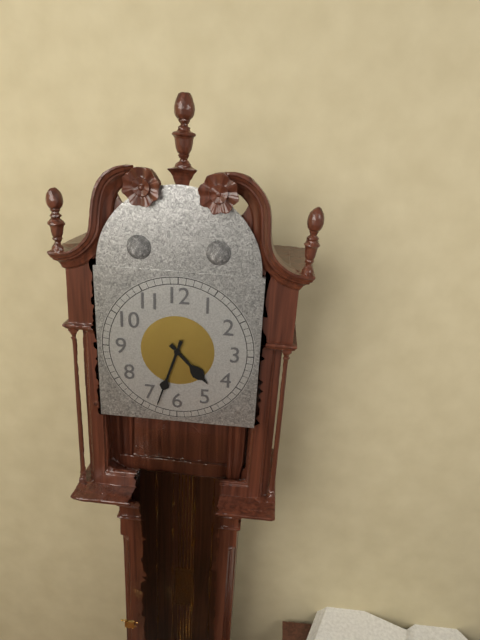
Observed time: 4:33
